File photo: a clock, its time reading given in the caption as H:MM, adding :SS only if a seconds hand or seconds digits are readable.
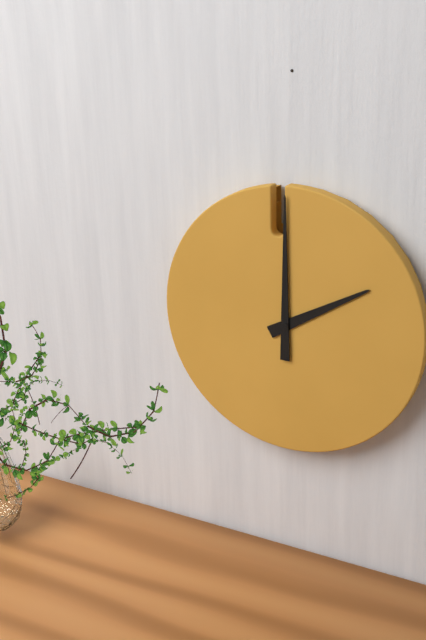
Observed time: 2:00
